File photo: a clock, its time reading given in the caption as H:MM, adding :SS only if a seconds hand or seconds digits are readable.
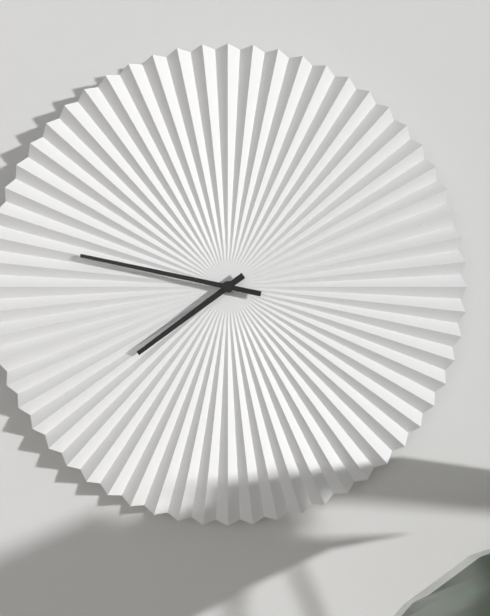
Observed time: 7:47
